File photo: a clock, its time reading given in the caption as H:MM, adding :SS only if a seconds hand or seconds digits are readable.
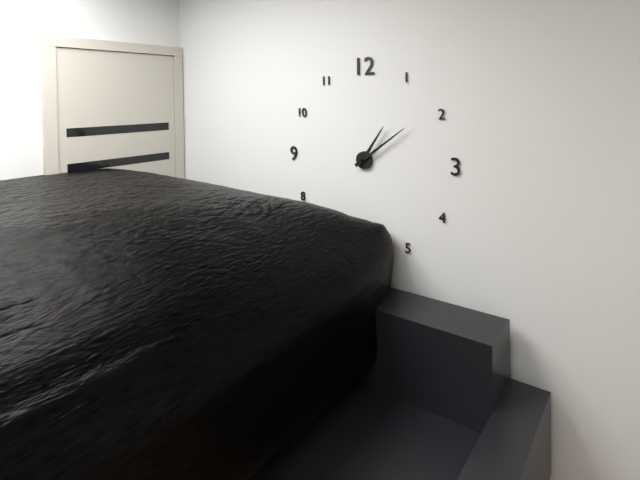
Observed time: 1:09
